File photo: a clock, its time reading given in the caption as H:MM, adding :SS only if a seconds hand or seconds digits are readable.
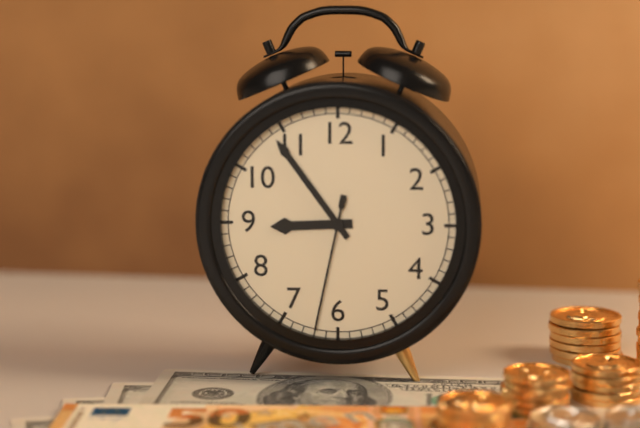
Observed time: 8:54:32
